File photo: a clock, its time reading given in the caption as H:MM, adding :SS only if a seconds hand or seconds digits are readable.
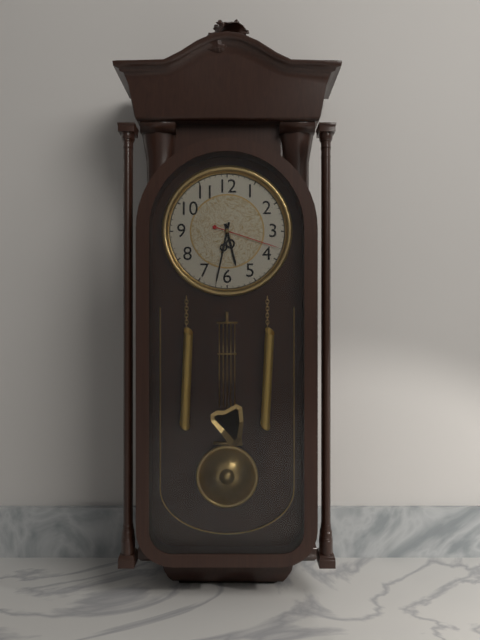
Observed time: 5:32:18
